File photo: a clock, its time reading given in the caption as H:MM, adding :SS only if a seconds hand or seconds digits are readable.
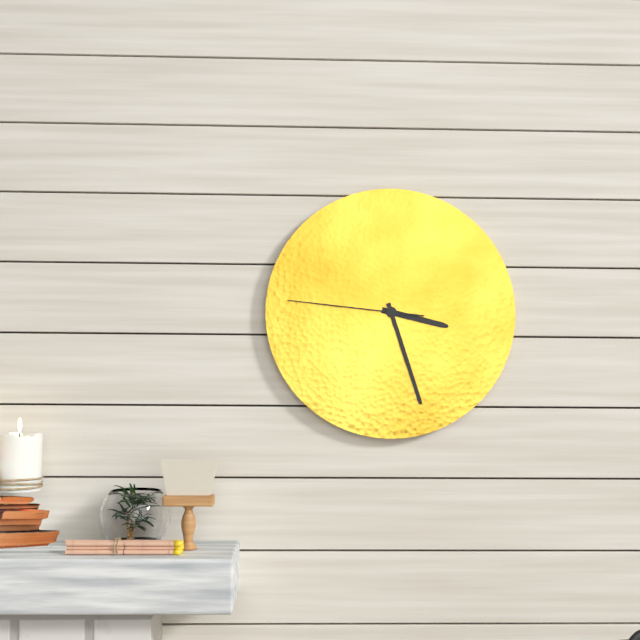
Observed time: 3:27:46
